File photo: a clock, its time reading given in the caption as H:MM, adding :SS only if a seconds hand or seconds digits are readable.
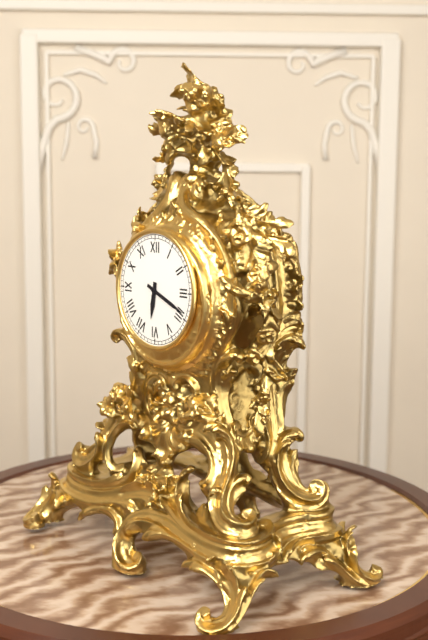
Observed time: 6:19
